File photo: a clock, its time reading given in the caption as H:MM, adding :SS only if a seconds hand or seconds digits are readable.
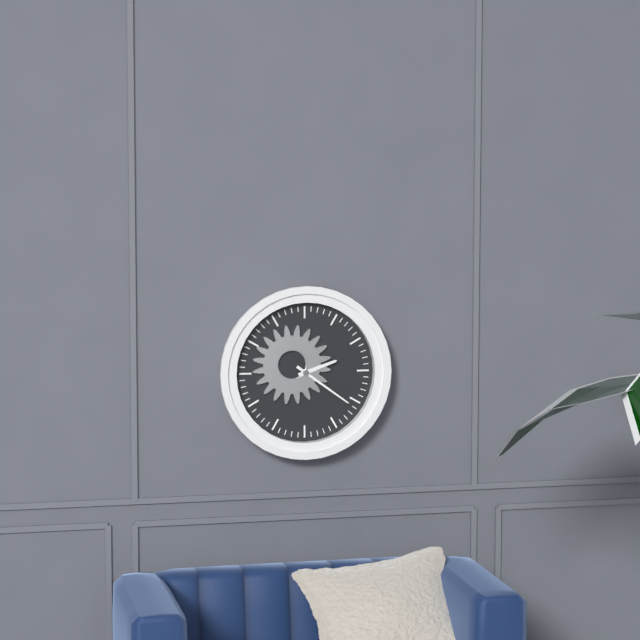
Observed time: 2:21
